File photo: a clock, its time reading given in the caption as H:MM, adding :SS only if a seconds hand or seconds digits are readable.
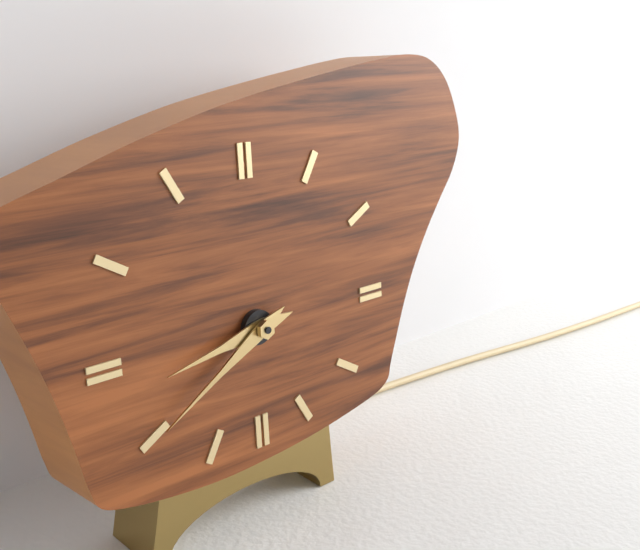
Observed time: 8:40
